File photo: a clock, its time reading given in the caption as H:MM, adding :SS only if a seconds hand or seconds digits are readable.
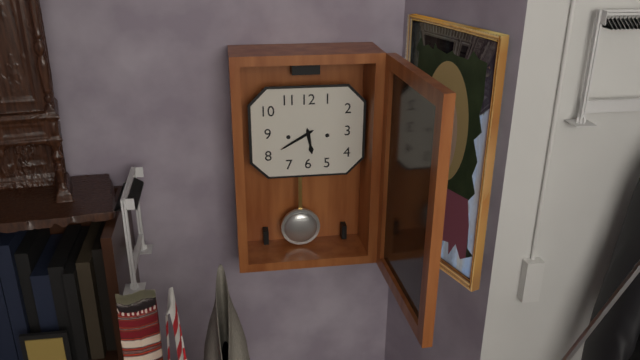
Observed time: 5:40
